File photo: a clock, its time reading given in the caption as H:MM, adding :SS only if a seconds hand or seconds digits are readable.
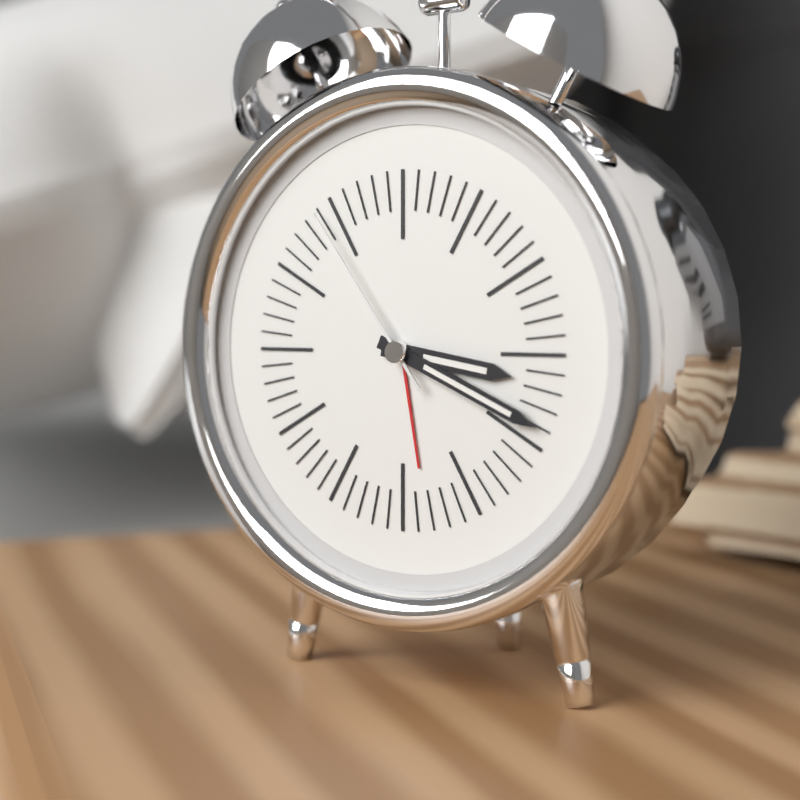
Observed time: 3:19:54
